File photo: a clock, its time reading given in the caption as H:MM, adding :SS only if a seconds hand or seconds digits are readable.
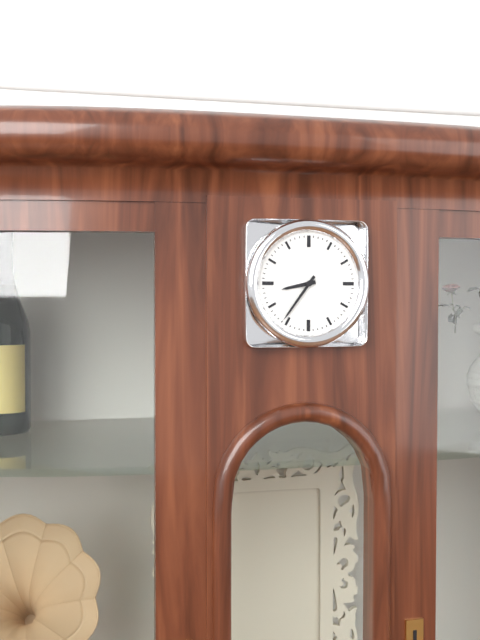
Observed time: 8:36
